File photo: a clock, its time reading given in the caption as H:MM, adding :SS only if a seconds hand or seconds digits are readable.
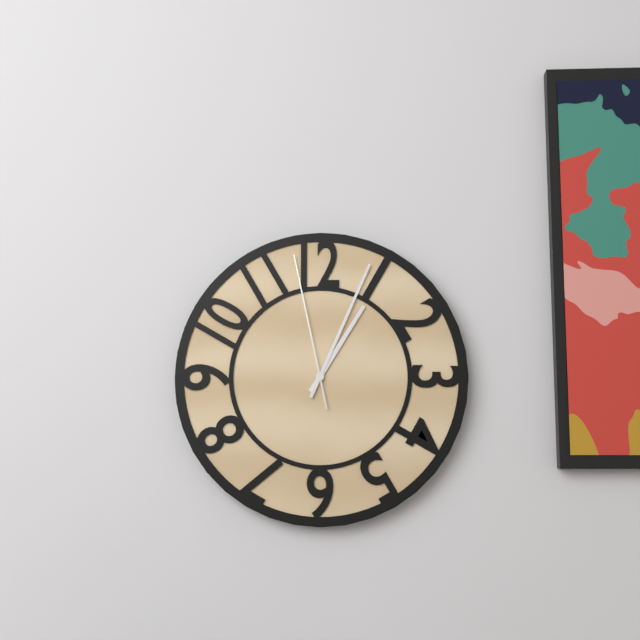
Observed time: 1:04:58
